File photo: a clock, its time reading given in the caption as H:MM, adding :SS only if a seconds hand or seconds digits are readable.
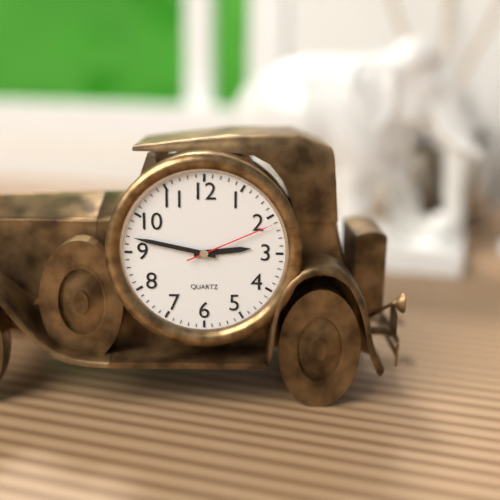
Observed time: 2:47:11
